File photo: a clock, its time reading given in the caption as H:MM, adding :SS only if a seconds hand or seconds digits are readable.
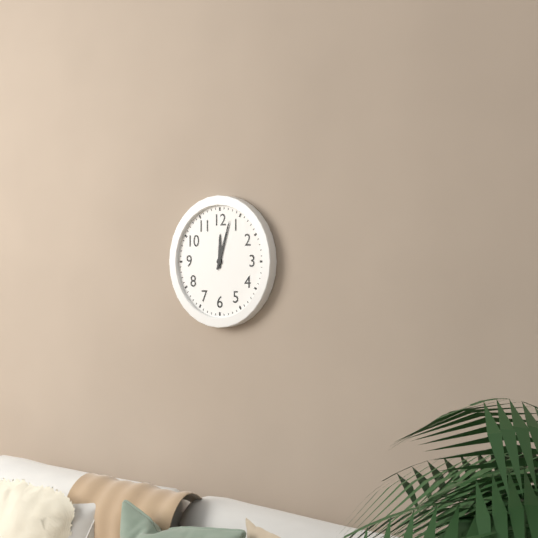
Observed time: 12:03
